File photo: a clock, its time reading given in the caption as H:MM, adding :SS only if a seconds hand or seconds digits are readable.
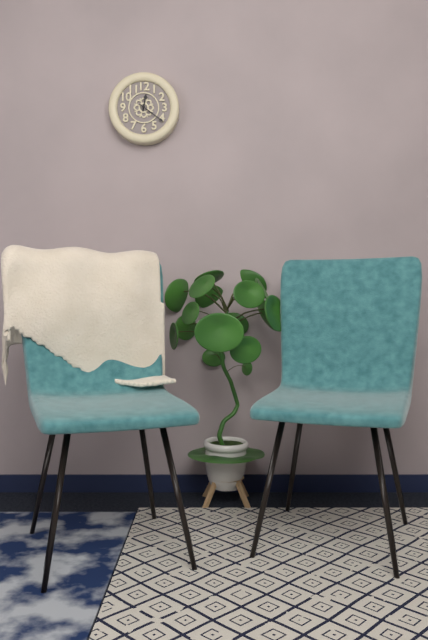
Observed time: 12:21
